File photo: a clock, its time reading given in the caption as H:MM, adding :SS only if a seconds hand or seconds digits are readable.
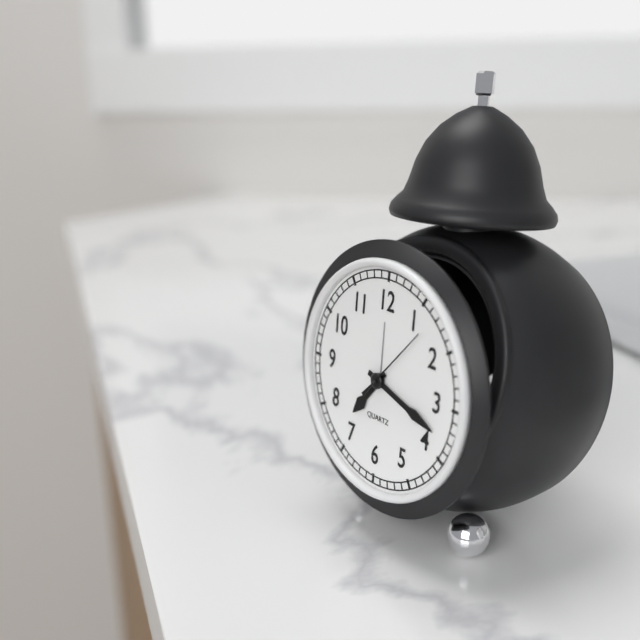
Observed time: 7:18:07
